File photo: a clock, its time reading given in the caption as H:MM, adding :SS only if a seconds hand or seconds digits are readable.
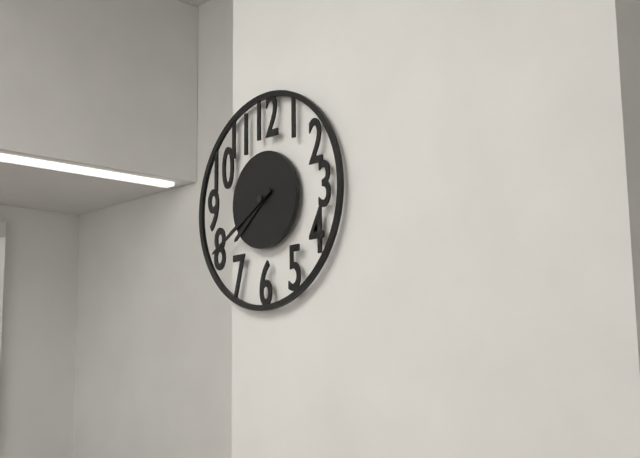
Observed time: 7:40
